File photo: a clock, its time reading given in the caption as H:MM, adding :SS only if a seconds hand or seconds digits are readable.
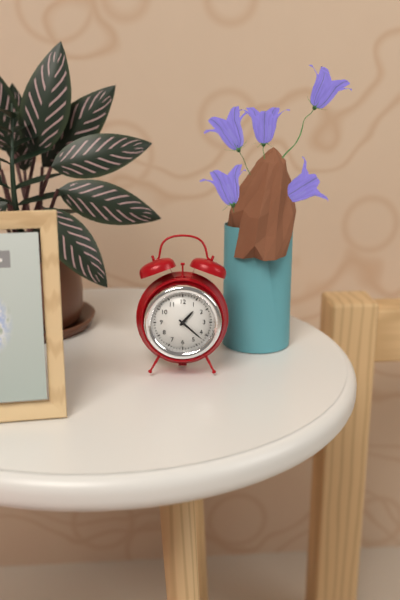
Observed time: 1:22
